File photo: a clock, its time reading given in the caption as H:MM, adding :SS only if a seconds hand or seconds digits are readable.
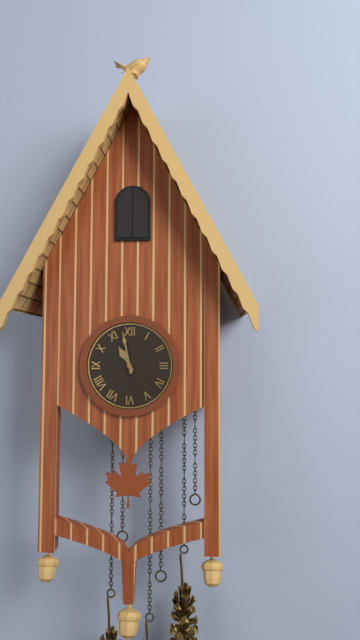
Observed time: 10:58
